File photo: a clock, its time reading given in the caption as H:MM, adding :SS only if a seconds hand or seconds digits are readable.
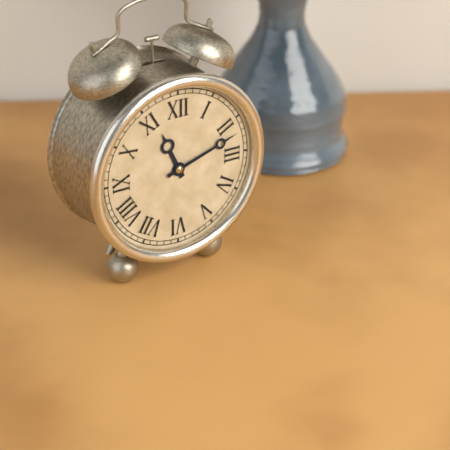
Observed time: 11:12
